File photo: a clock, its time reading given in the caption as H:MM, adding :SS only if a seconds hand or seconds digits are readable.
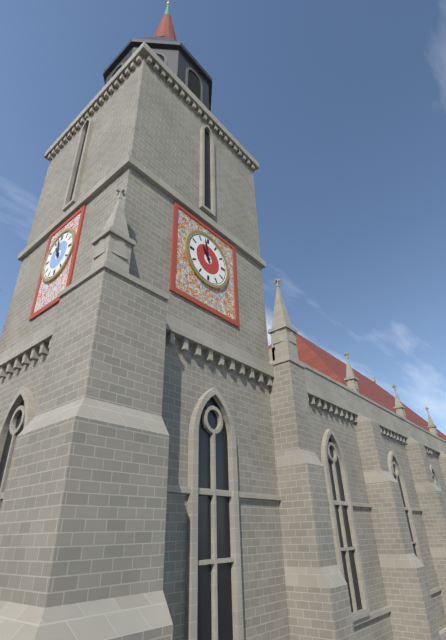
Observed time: 10:58
